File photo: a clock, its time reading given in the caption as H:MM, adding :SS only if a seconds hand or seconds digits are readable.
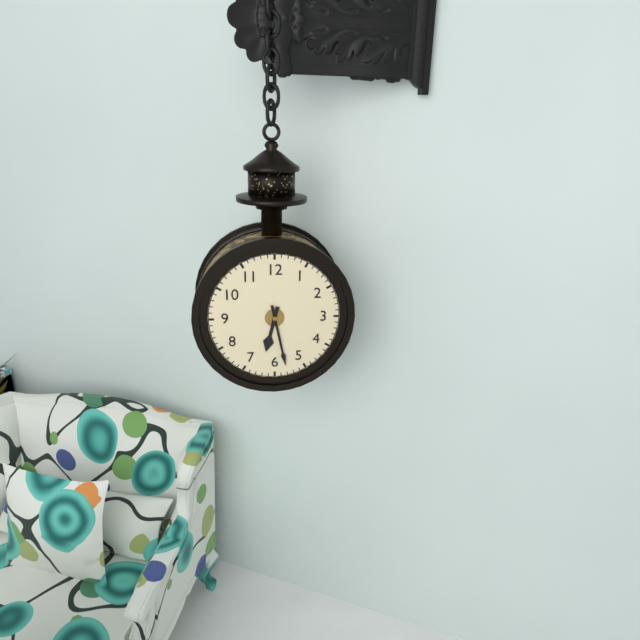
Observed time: 6:28
